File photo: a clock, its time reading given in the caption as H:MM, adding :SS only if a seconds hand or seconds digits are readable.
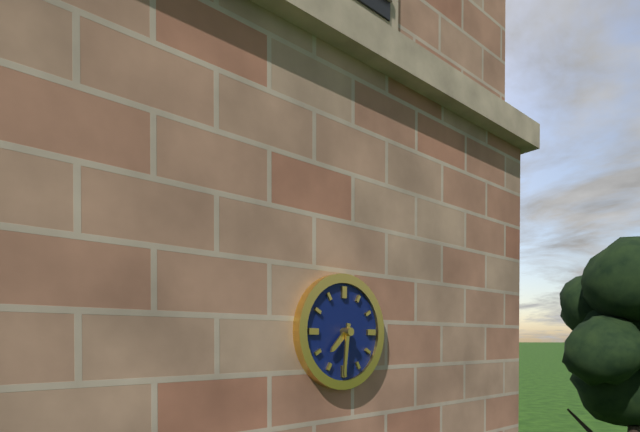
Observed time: 7:31
